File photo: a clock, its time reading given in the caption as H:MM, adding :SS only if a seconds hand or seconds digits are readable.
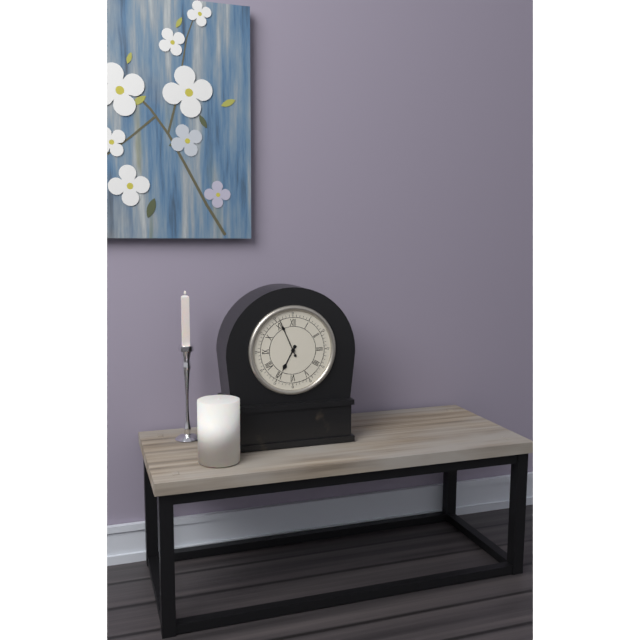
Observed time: 6:56
